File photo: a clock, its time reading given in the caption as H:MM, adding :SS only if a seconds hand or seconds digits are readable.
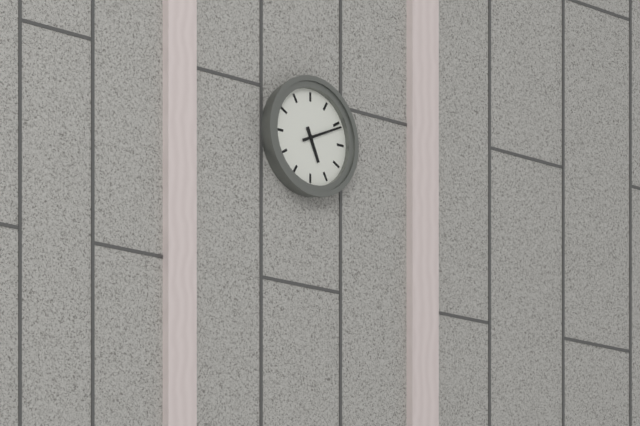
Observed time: 5:11
